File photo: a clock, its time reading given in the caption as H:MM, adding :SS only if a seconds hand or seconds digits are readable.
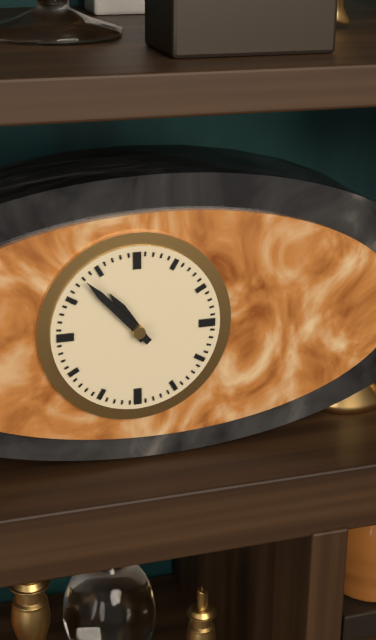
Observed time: 10:53
